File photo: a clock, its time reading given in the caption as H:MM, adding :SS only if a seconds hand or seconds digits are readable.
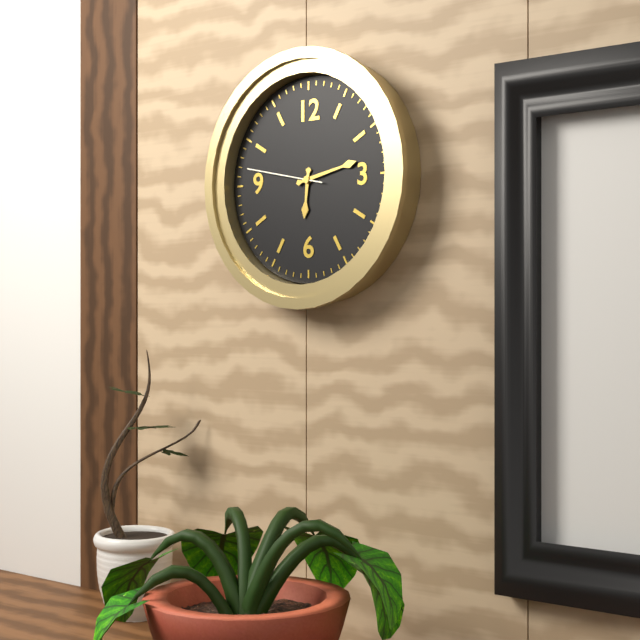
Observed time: 6:13:47
